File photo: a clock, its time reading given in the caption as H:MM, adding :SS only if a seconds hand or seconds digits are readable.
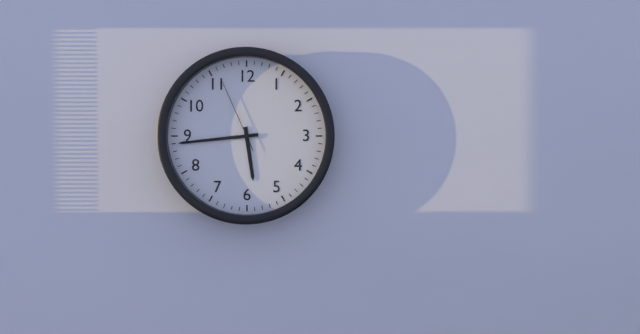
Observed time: 5:44:56
